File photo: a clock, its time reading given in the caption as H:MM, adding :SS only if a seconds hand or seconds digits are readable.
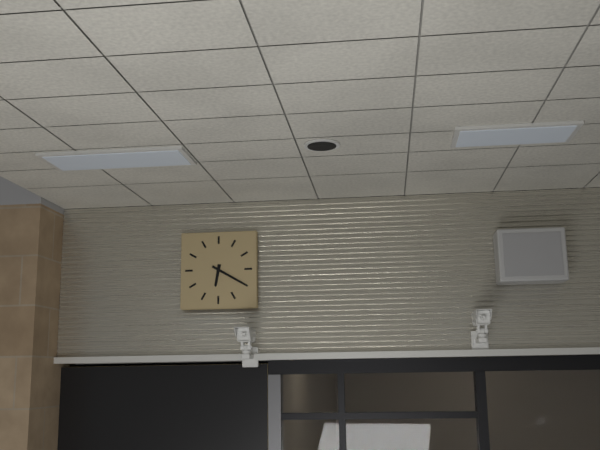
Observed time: 6:20
